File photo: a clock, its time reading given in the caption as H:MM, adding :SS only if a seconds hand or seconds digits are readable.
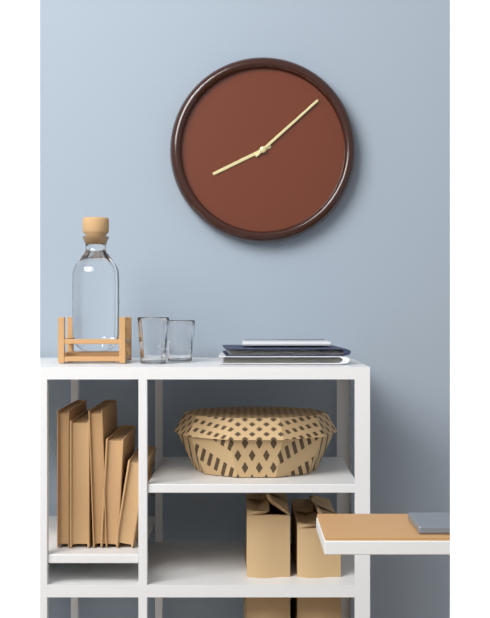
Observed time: 8:08
